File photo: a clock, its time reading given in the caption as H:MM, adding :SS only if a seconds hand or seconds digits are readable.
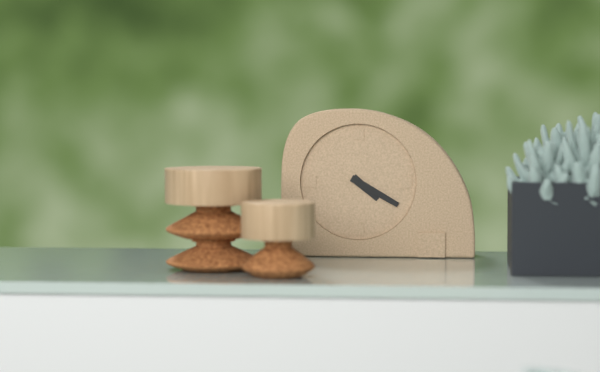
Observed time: 4:20
